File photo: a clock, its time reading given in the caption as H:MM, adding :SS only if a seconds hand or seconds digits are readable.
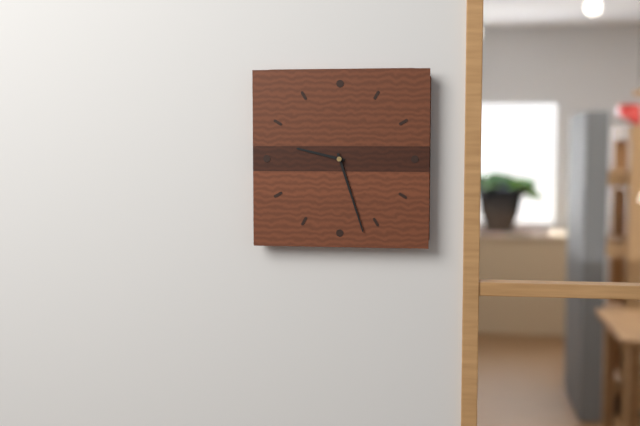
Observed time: 9:27
